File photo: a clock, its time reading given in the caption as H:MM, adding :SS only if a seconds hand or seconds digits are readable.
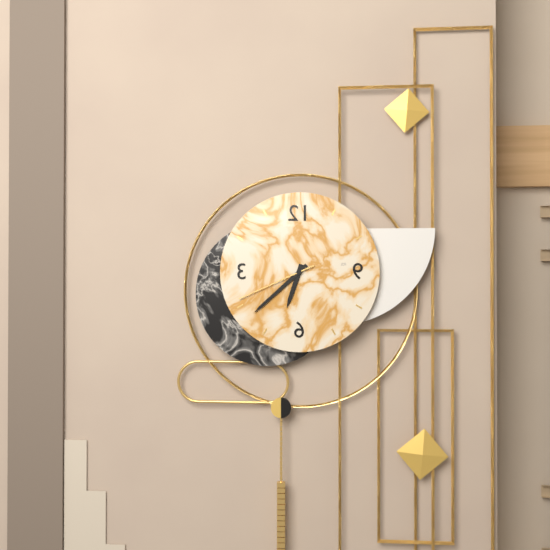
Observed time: 6:38:41
